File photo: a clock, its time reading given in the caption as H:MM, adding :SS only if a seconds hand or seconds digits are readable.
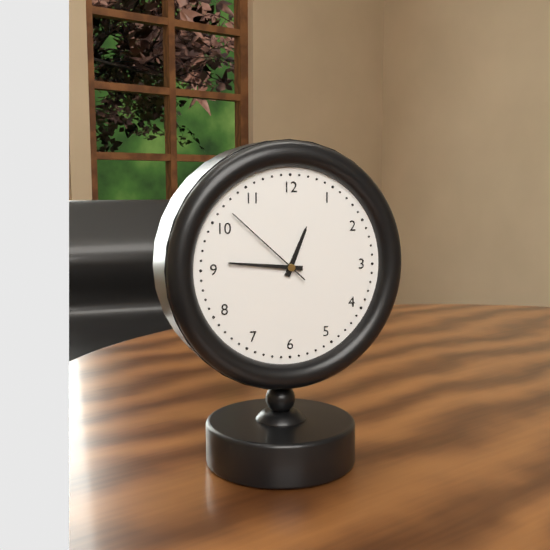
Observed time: 12:46:52
